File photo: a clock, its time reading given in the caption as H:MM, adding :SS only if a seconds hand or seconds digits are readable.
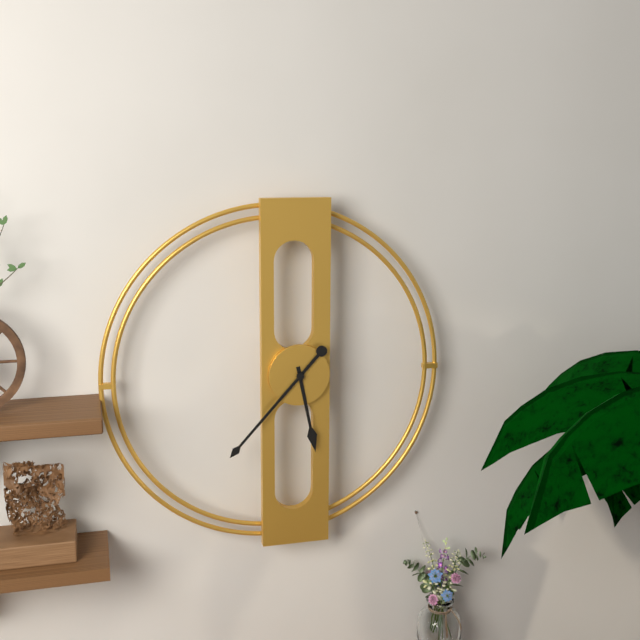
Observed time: 5:37
